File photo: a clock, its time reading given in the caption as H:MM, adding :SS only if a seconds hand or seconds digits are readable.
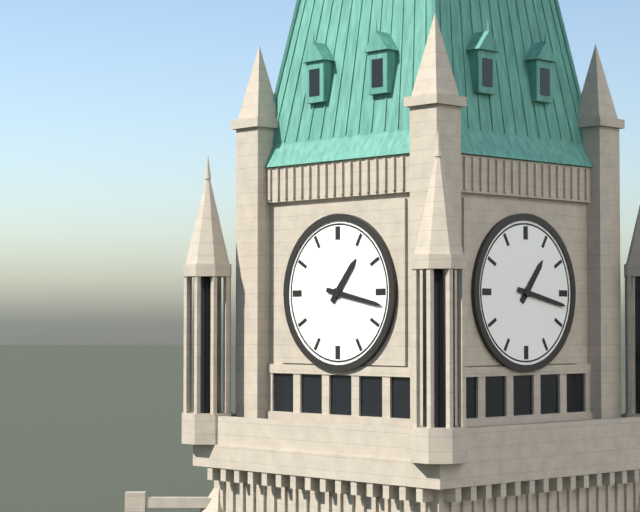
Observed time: 1:17
